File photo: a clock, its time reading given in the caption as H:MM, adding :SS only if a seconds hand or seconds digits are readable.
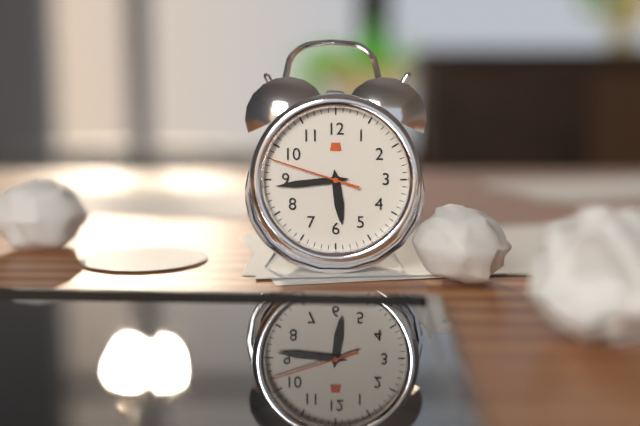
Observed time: 5:44:48
